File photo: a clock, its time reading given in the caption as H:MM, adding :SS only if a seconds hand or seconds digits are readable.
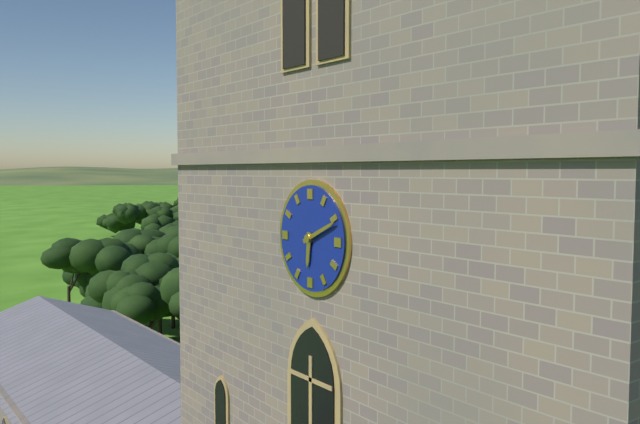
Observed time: 6:11
